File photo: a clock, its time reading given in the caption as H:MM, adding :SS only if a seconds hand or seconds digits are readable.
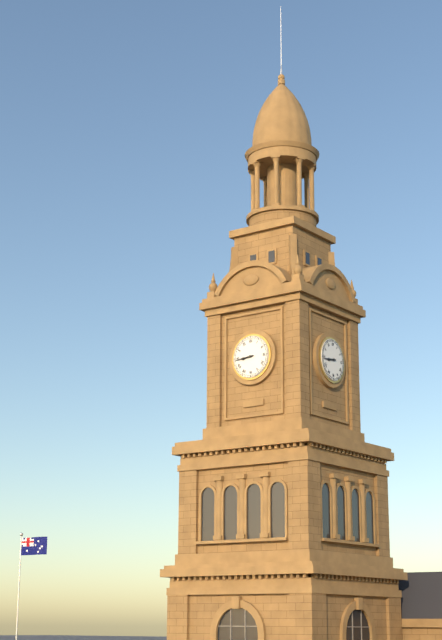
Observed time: 8:44
